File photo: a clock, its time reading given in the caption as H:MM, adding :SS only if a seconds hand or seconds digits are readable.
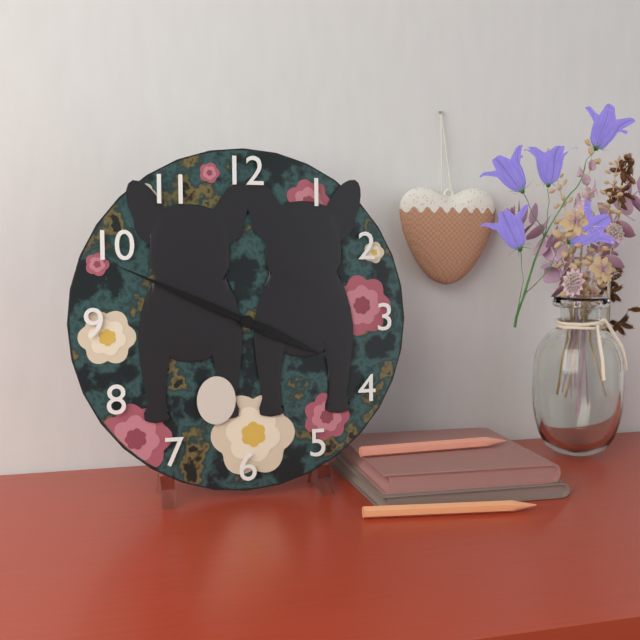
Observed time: 3:49
